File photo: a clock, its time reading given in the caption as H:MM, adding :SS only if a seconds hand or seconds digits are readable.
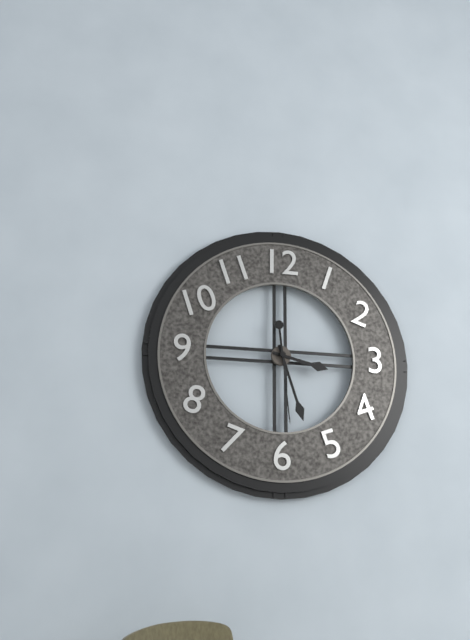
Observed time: 3:27:29
